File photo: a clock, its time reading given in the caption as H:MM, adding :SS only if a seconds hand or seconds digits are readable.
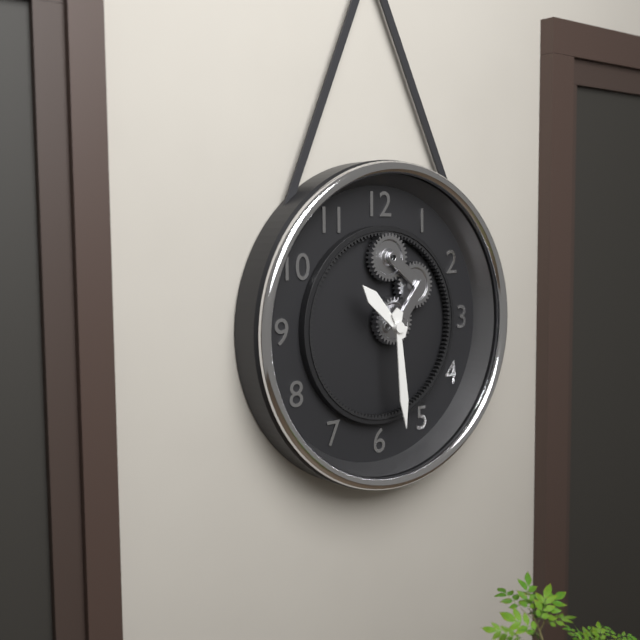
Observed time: 10:29
